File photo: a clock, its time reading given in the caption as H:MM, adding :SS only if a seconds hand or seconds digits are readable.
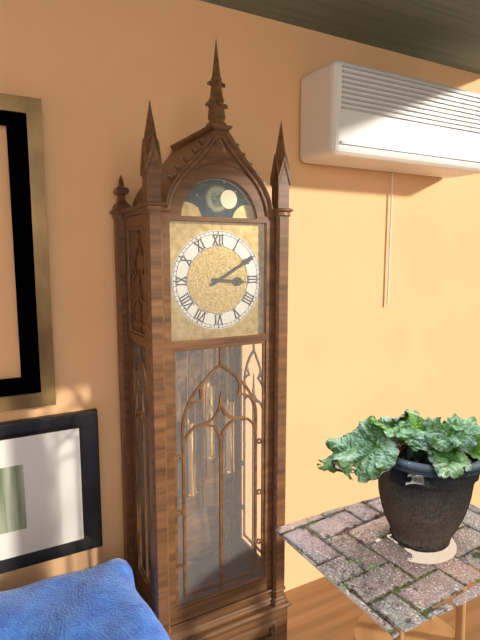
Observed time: 3:10
